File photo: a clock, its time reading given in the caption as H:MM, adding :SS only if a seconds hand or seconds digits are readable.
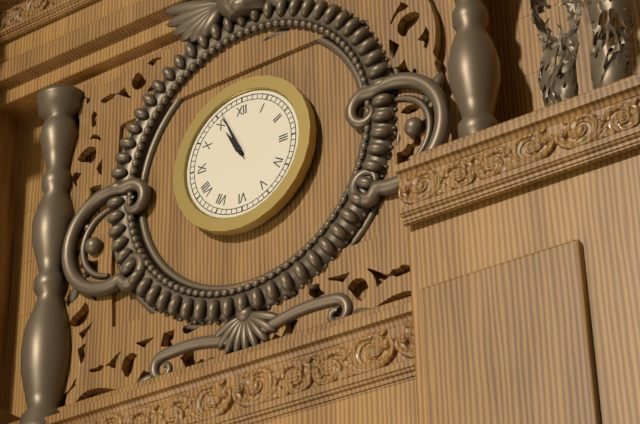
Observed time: 10:56
